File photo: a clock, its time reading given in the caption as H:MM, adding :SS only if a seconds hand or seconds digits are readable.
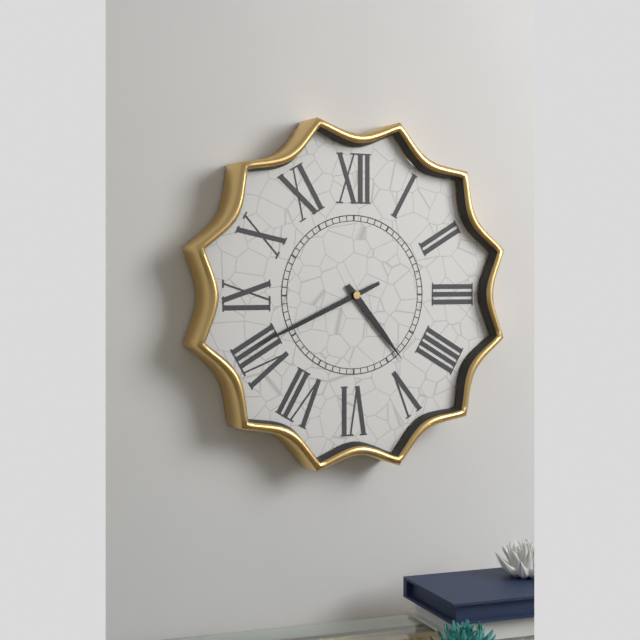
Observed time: 4:41
